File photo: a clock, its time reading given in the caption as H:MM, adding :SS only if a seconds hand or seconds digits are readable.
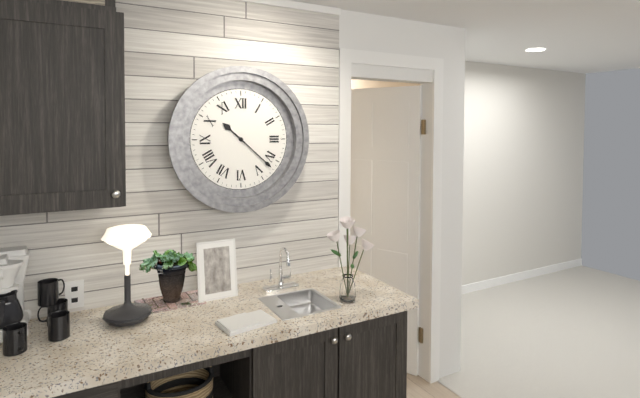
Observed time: 10:22
